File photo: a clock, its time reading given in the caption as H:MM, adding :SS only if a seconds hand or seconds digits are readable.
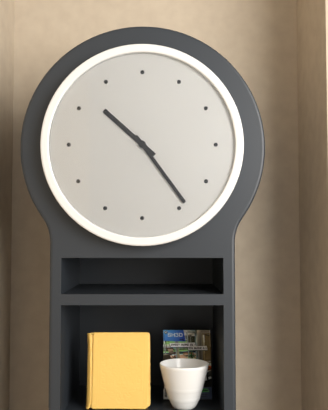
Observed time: 10:24
